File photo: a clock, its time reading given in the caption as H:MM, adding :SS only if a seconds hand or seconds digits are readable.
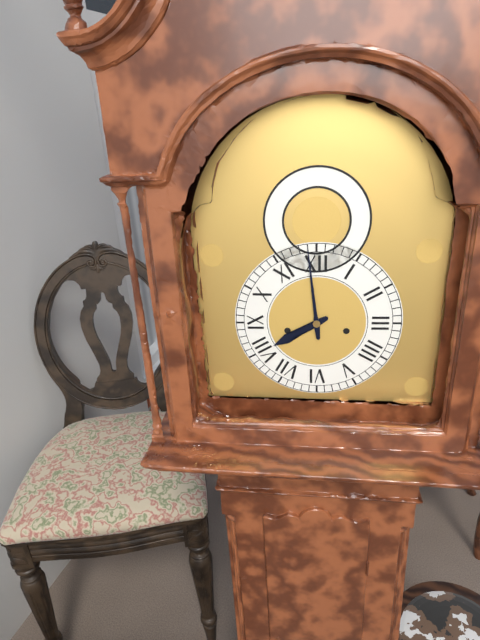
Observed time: 7:59
